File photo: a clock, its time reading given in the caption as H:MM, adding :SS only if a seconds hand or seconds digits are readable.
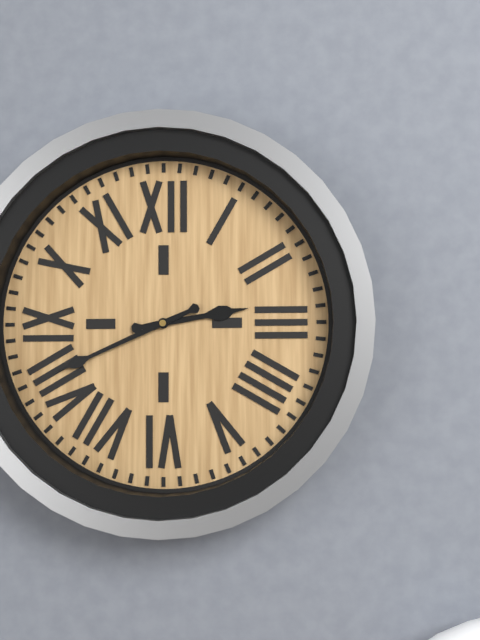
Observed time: 2:41
